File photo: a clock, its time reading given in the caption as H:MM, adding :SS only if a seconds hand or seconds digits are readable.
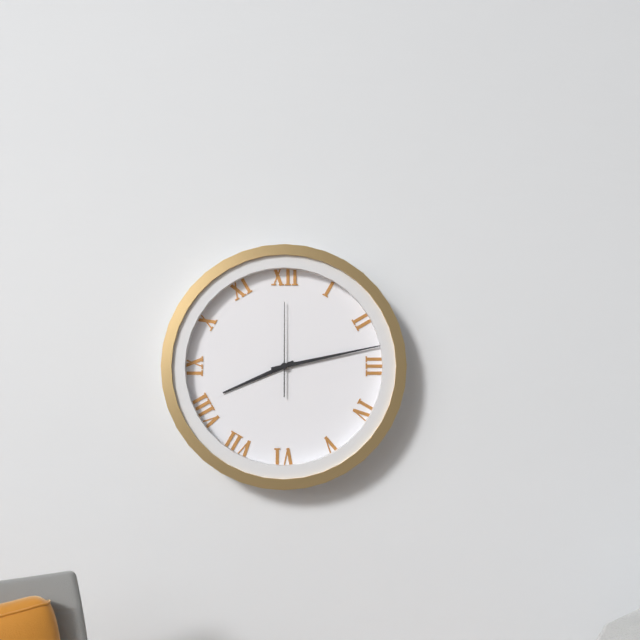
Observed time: 8:13:00
